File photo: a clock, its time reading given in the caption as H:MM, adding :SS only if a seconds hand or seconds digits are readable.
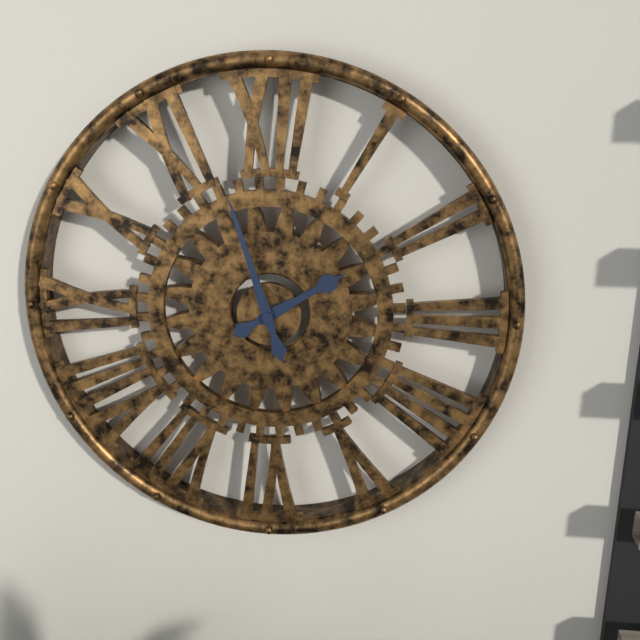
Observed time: 1:57
